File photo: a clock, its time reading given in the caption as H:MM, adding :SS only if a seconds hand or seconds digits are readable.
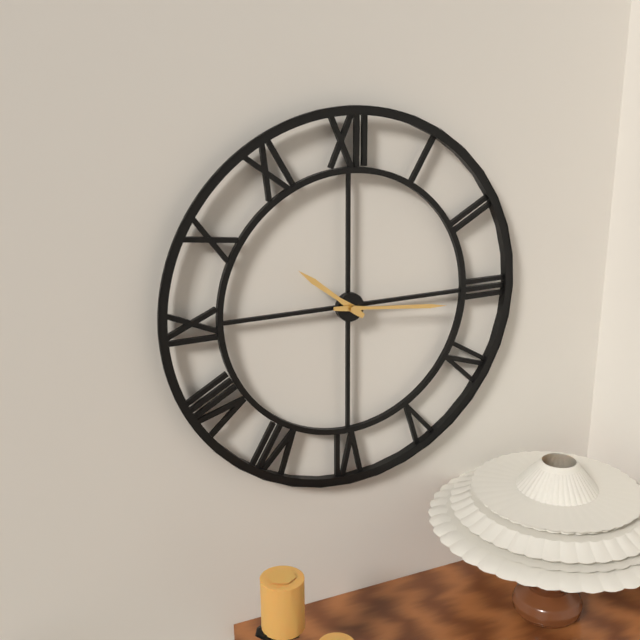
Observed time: 10:16
